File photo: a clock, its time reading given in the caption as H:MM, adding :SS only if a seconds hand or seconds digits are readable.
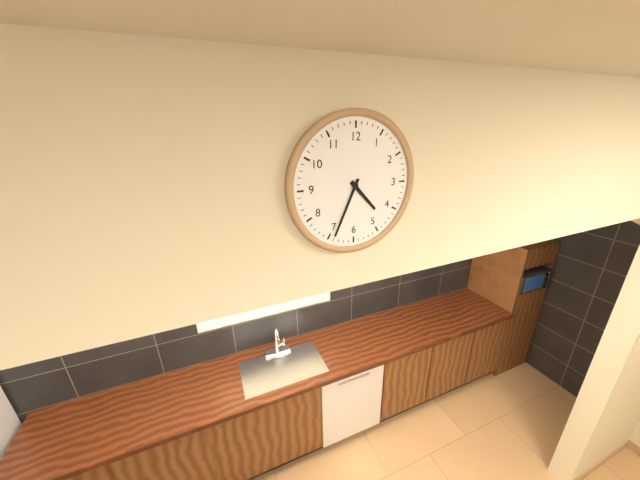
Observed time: 4:34
